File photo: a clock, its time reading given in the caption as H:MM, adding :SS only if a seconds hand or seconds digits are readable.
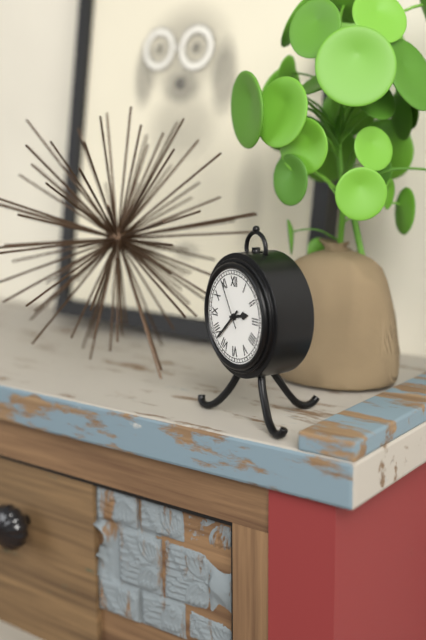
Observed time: 2:38:55
